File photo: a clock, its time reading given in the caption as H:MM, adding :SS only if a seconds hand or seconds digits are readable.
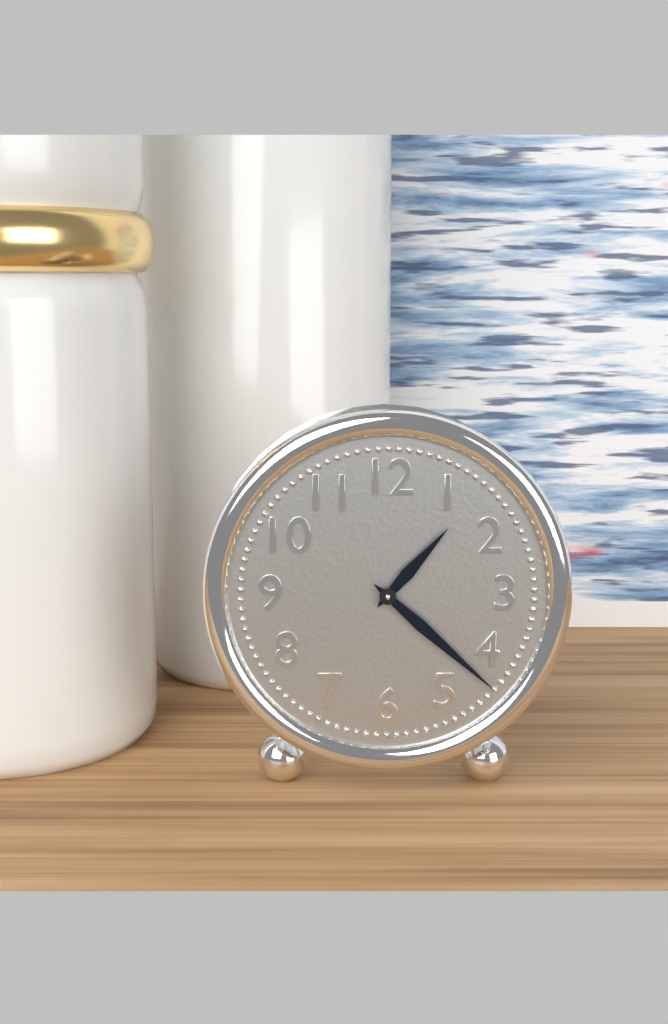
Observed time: 1:22
